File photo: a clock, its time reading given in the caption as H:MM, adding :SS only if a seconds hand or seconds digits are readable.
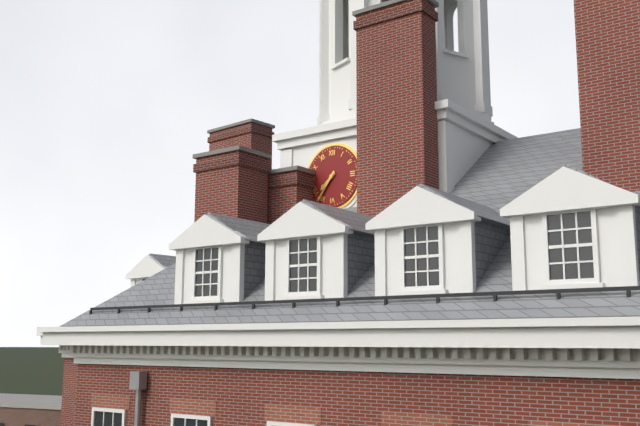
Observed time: 7:36
